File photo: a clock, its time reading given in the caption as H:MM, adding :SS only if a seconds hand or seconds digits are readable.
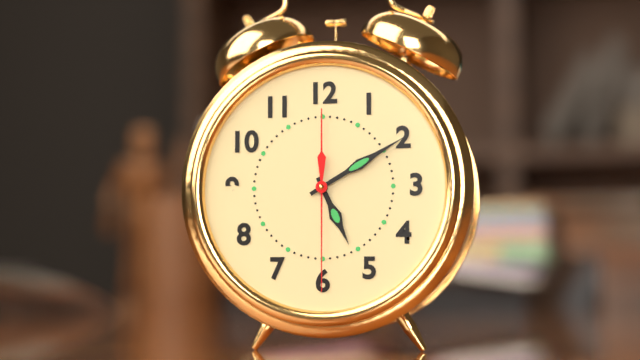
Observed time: 5:10:30
